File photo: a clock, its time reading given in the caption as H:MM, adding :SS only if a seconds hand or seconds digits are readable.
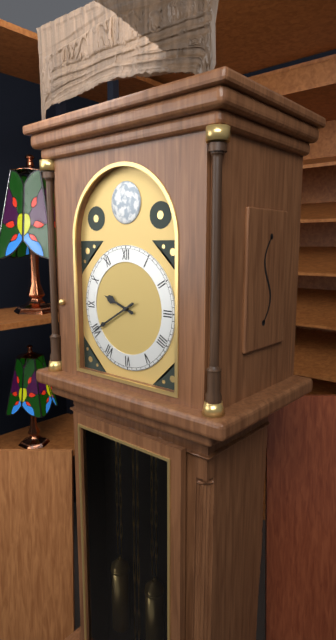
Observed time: 9:40
